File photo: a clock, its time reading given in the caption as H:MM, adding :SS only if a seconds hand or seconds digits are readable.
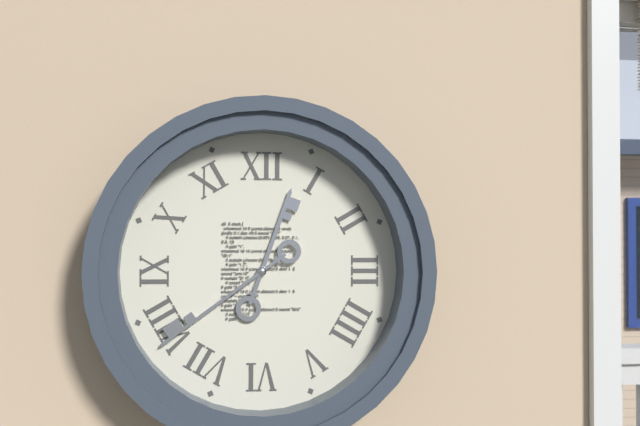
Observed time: 12:39
